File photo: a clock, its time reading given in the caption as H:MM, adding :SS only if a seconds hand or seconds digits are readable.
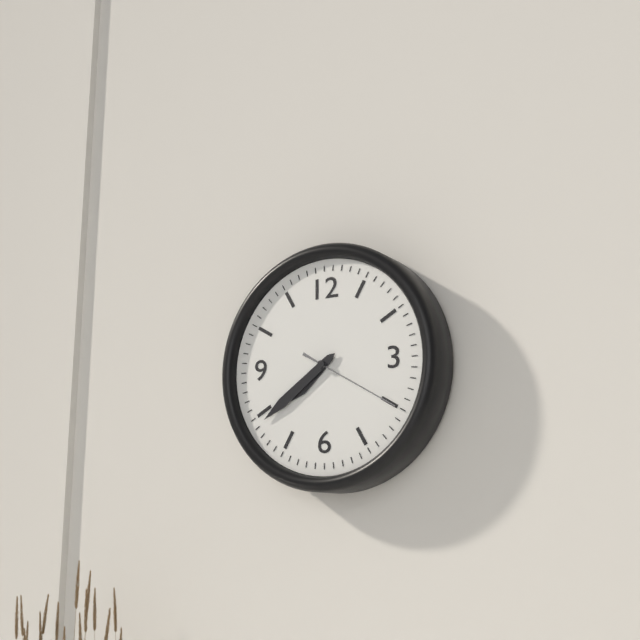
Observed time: 7:39:20
